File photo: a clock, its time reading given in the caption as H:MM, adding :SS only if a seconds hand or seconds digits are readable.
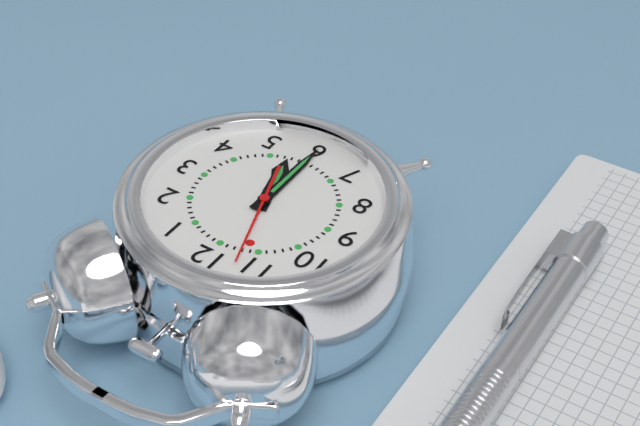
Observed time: 5:30:57
